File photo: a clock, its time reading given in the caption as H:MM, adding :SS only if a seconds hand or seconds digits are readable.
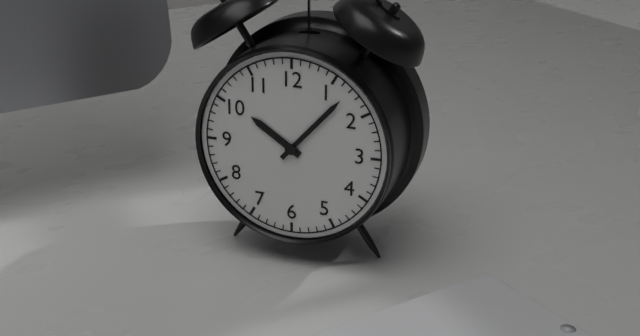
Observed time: 10:07
